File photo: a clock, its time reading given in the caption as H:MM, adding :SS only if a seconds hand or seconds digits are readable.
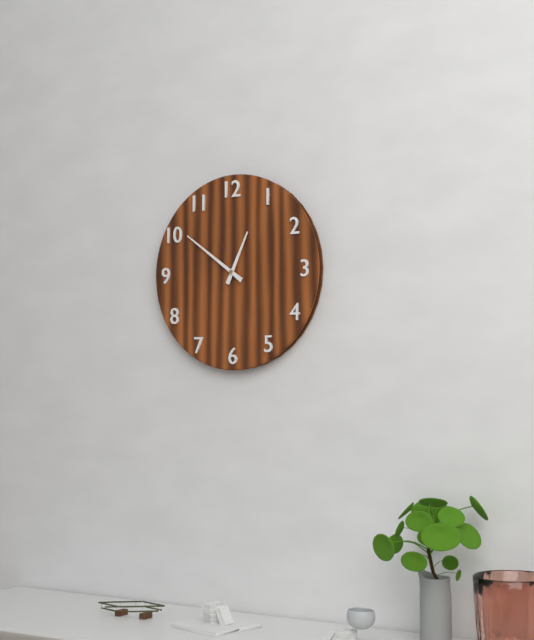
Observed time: 12:51
